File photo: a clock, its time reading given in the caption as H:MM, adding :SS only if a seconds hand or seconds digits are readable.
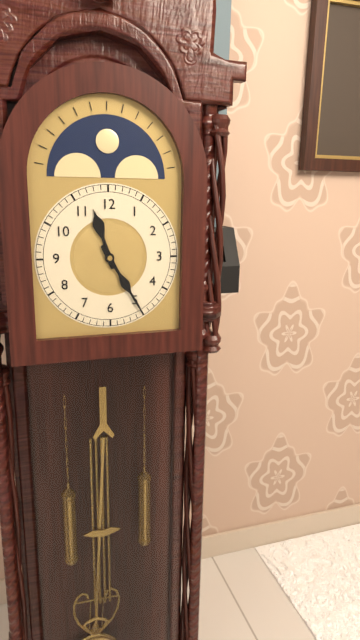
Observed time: 11:25
